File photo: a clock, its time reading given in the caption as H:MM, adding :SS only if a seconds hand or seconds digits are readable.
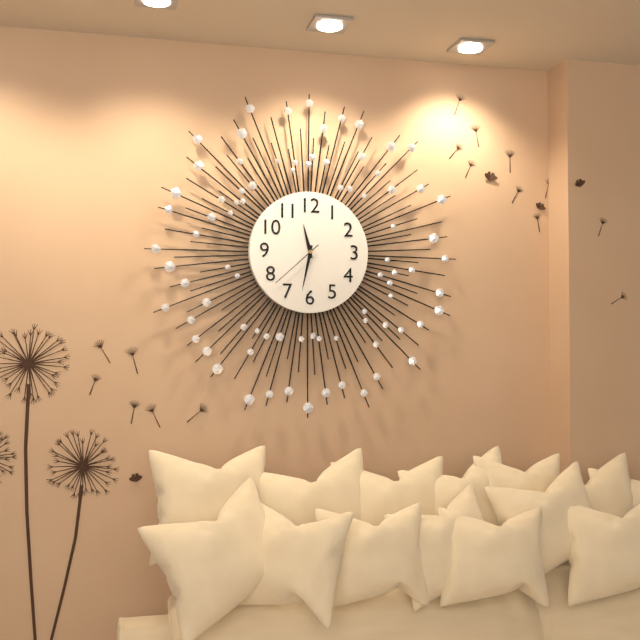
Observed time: 11:32:38
